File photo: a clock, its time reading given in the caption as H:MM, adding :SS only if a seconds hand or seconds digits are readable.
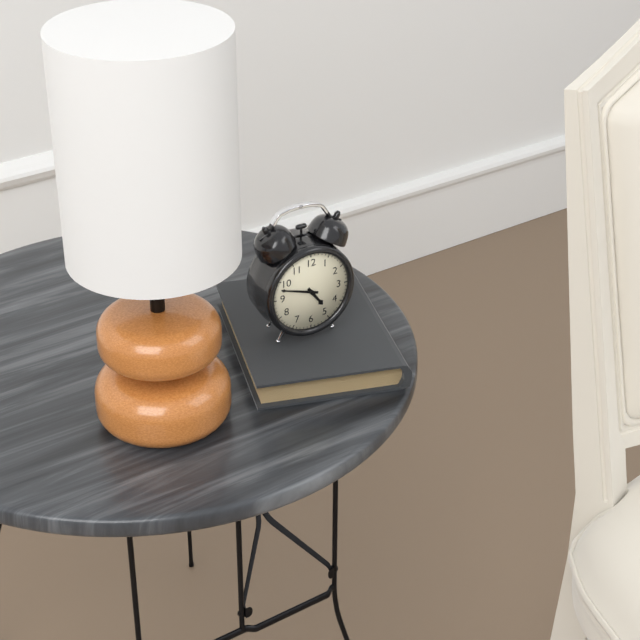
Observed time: 4:48
